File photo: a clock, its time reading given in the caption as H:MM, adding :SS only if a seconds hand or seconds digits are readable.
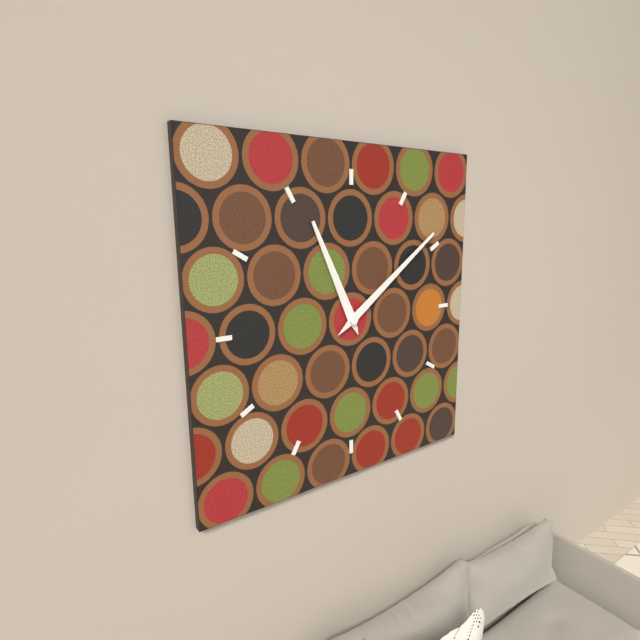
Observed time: 11:09
